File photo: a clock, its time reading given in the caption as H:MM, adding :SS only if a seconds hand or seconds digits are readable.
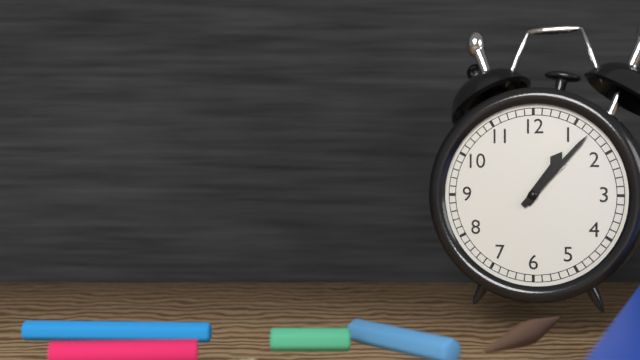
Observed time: 1:07
